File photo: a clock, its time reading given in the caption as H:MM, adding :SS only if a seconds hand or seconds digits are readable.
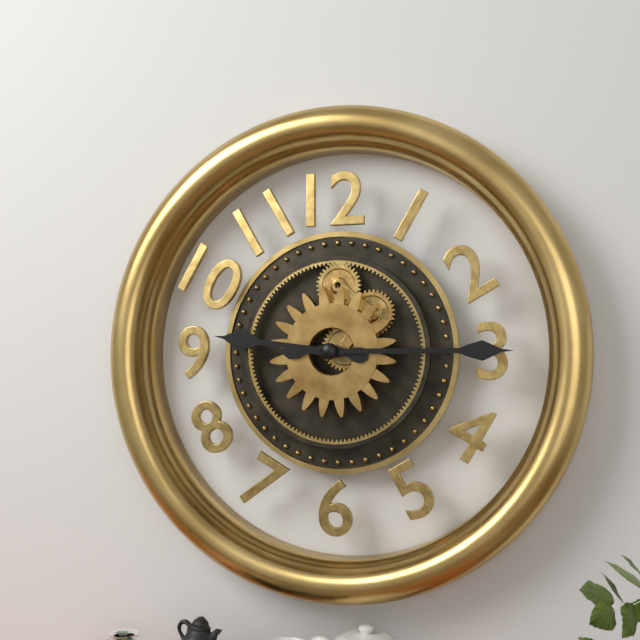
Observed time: 9:15
